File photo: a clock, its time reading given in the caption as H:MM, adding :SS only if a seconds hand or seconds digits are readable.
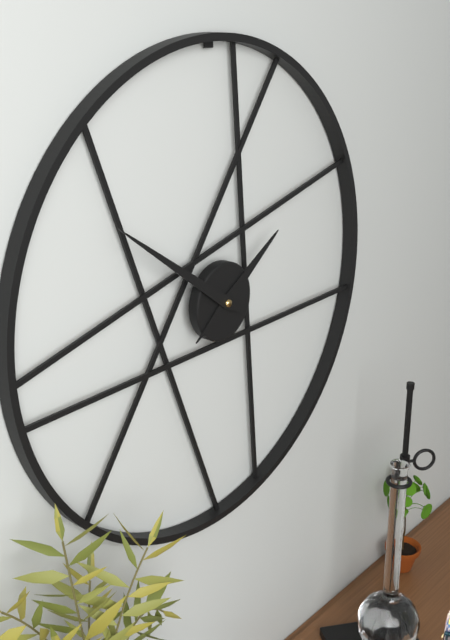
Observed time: 1:51
